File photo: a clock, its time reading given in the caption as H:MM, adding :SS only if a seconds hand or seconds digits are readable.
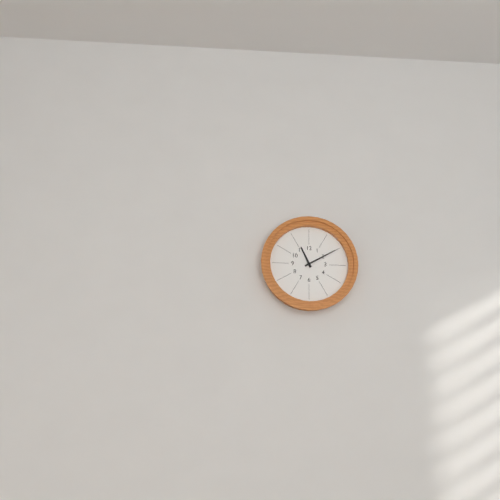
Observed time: 11:10
